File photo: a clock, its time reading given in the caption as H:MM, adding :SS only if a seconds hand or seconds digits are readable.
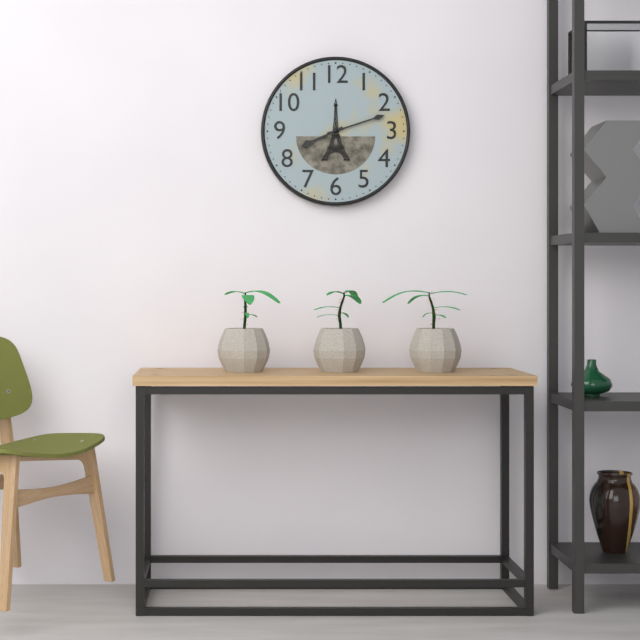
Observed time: 8:12
